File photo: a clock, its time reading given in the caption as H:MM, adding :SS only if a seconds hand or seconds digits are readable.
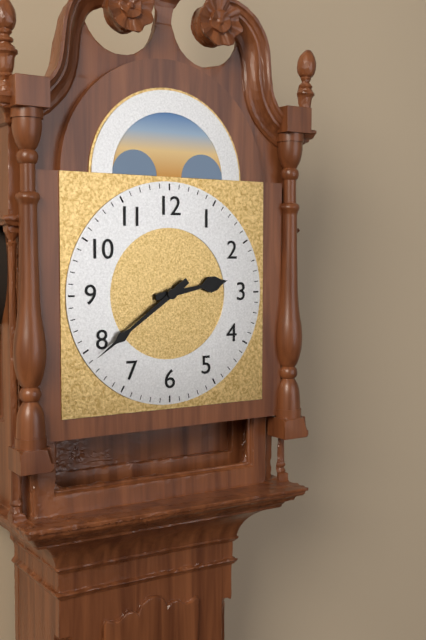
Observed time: 2:39
